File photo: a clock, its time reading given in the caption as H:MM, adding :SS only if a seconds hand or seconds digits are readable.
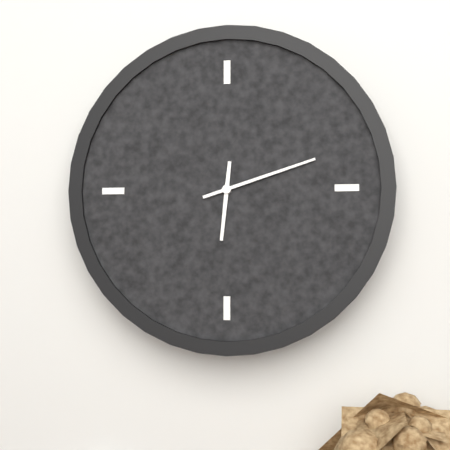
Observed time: 6:12
